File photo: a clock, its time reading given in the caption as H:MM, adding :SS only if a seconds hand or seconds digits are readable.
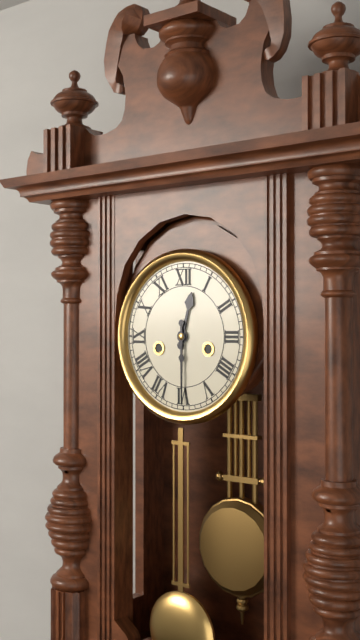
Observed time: 12:30
